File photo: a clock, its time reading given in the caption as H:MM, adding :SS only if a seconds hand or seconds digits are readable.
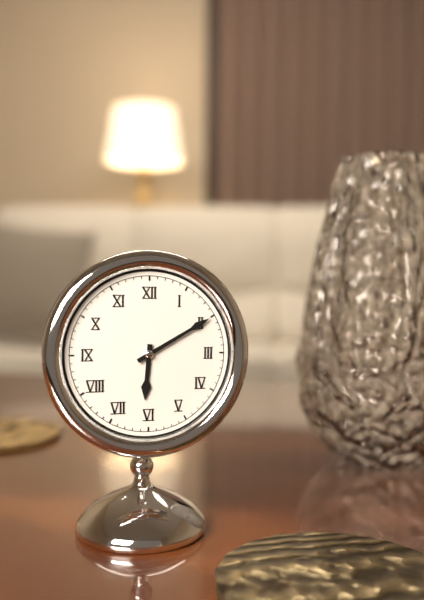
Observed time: 6:10
